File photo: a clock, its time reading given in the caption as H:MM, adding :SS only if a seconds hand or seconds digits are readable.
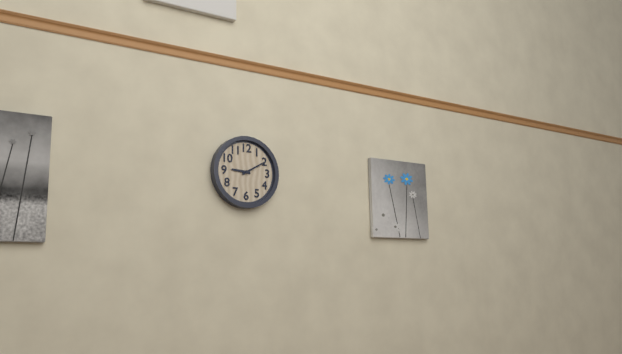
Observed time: 9:10
